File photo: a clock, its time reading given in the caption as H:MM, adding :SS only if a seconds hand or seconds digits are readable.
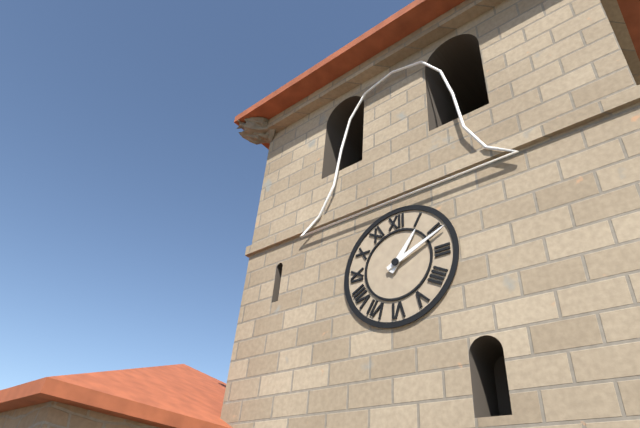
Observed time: 1:11
